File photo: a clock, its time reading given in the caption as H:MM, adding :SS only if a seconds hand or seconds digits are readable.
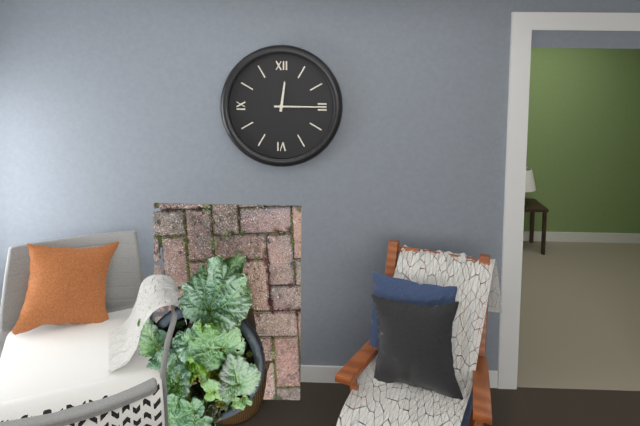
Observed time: 12:15
